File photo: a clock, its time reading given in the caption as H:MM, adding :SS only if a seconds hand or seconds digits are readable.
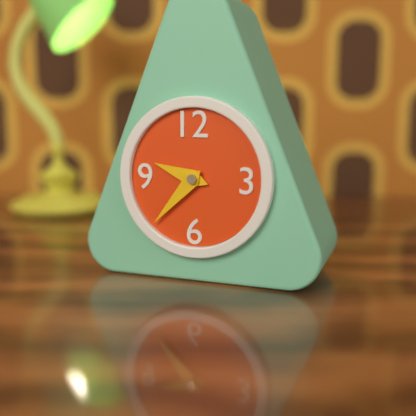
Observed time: 9:37
